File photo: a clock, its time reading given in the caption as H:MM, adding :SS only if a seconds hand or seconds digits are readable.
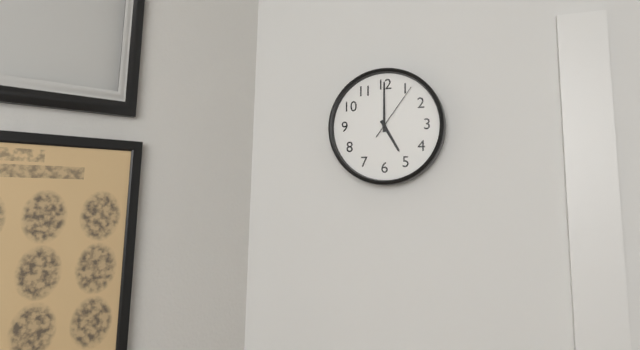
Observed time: 5:00:06
